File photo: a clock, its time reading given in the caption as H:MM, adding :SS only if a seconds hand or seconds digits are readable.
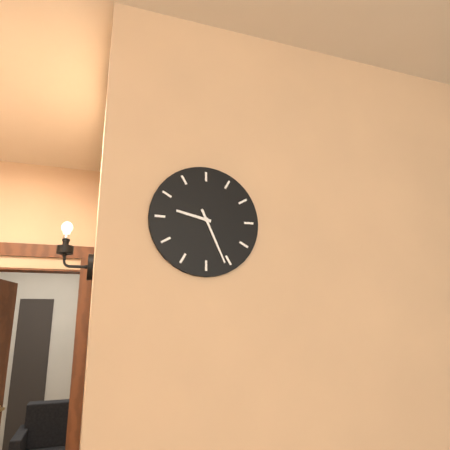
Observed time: 9:26
